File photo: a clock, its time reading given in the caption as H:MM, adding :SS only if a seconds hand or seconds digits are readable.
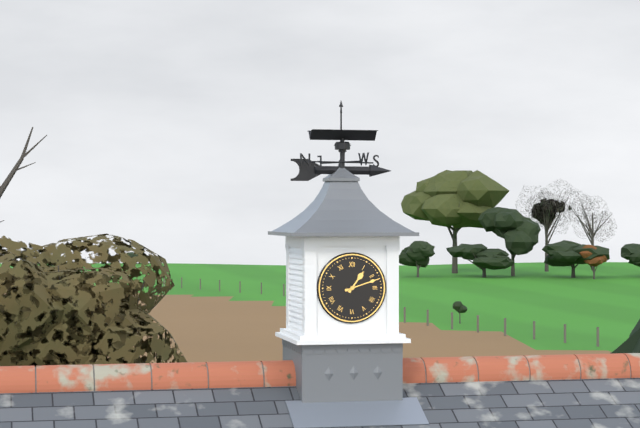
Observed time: 1:12
